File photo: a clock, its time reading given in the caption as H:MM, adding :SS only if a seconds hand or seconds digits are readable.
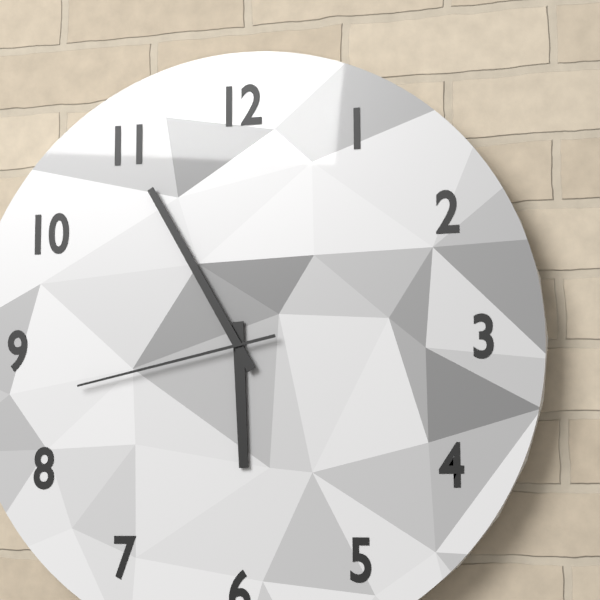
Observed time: 5:55:43
